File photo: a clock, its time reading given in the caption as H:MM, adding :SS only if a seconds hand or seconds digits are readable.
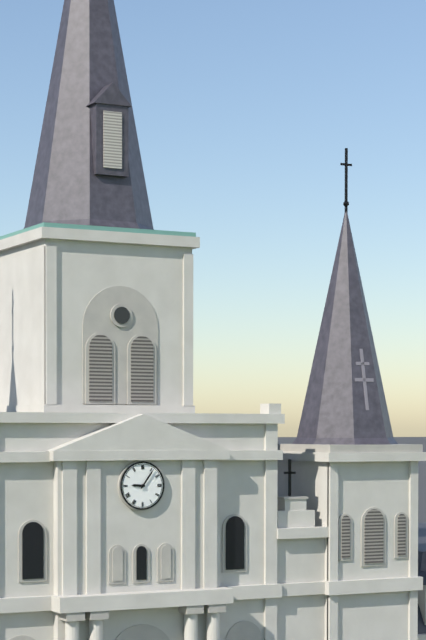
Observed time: 9:06
